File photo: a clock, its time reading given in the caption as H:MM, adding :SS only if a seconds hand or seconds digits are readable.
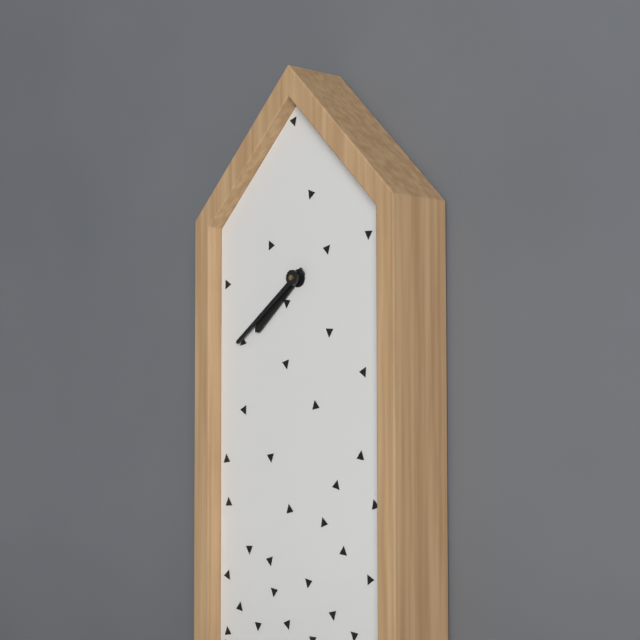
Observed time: 7:39
